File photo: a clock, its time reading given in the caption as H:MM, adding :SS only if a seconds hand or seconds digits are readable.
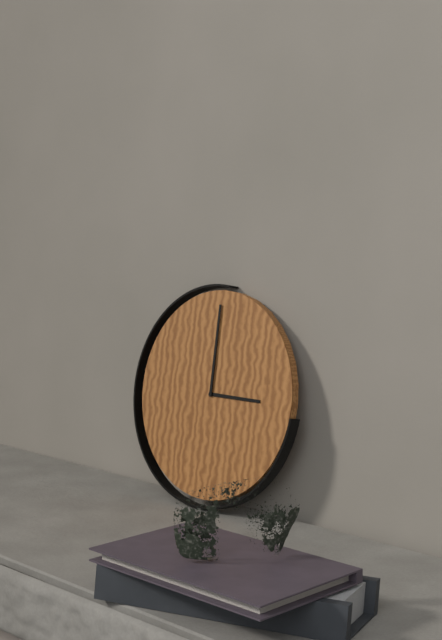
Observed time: 3:00
